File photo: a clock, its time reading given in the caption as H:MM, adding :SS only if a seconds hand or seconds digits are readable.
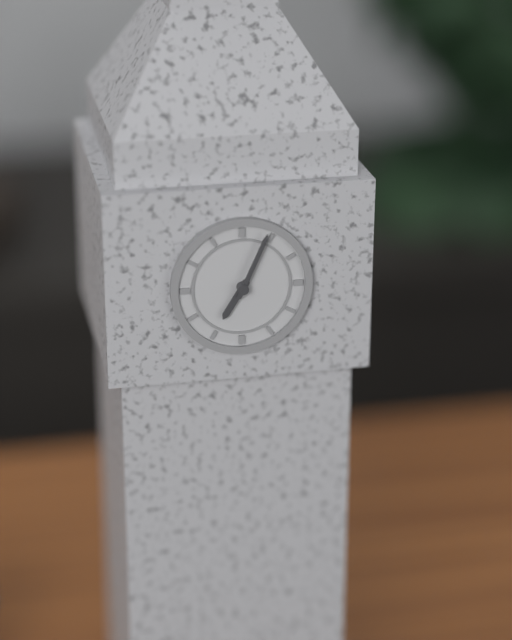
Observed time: 7:04
